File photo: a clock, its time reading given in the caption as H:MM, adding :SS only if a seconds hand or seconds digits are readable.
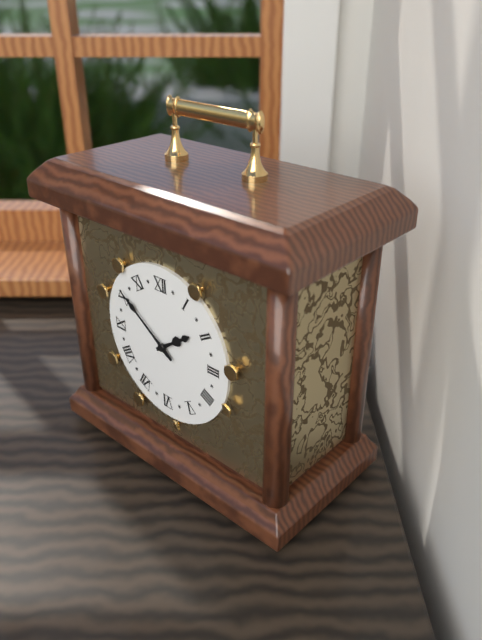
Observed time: 1:51
